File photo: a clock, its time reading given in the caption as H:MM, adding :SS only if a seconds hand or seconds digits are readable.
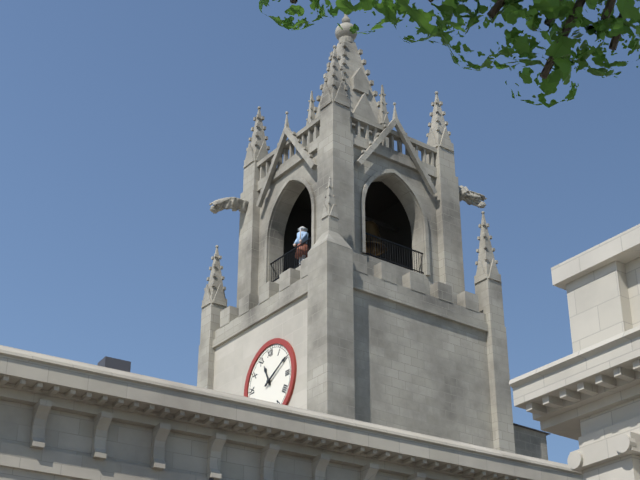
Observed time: 11:10
